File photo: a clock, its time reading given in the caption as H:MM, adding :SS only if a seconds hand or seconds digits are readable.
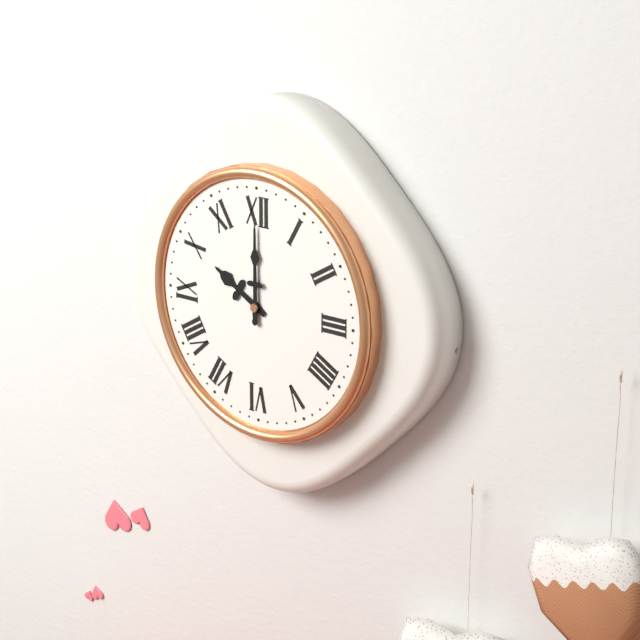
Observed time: 10:00
